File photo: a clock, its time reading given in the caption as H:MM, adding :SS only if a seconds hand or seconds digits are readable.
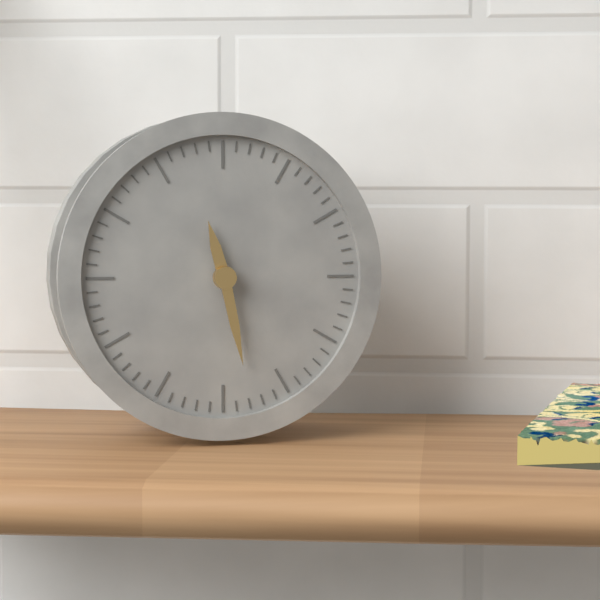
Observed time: 11:28
